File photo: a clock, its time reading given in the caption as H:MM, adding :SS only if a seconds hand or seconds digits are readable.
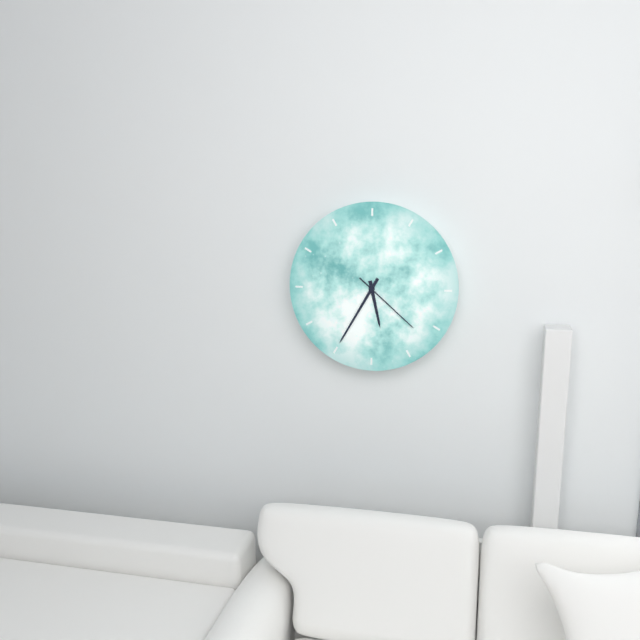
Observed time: 5:35:22
